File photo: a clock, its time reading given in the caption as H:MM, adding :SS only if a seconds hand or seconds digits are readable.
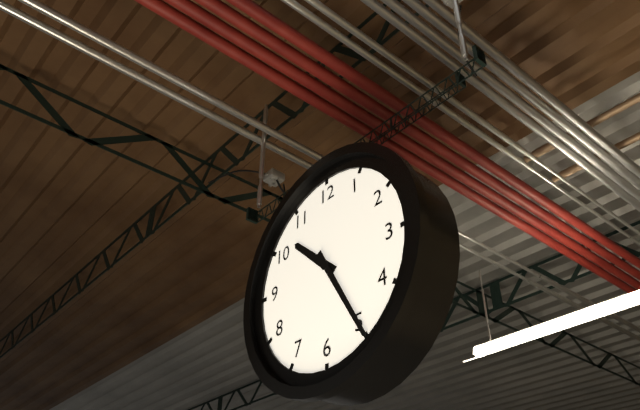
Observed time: 10:25
